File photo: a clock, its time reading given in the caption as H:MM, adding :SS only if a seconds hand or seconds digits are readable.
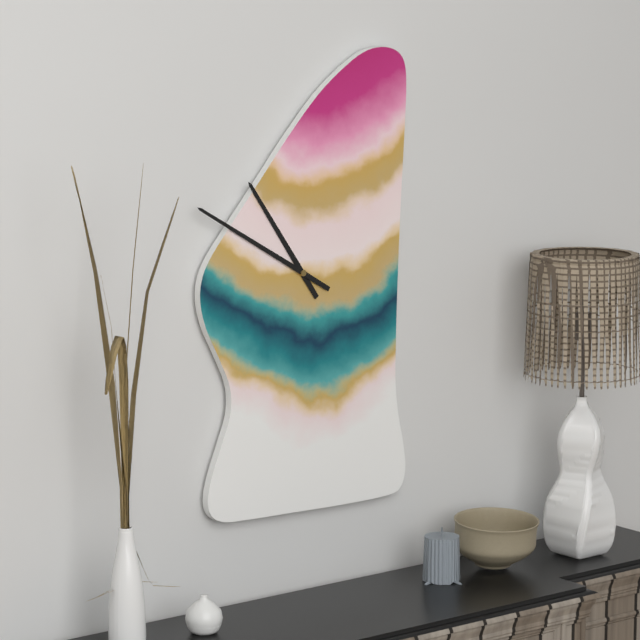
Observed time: 10:50
